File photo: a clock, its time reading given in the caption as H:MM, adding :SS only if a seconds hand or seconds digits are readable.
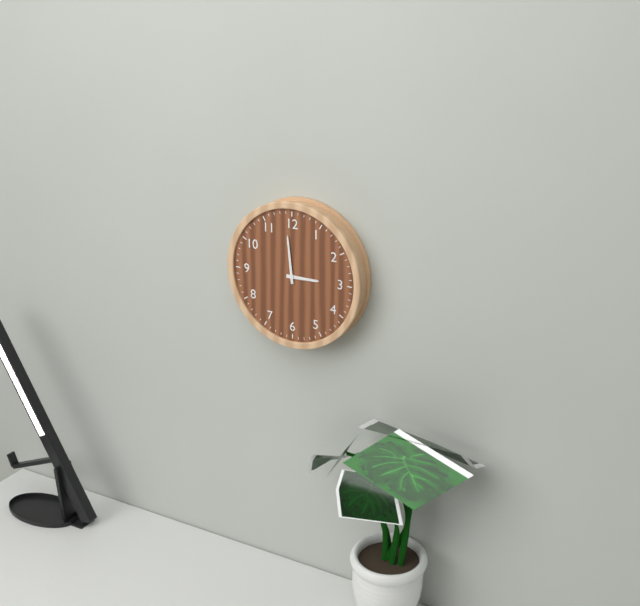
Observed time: 2:59
